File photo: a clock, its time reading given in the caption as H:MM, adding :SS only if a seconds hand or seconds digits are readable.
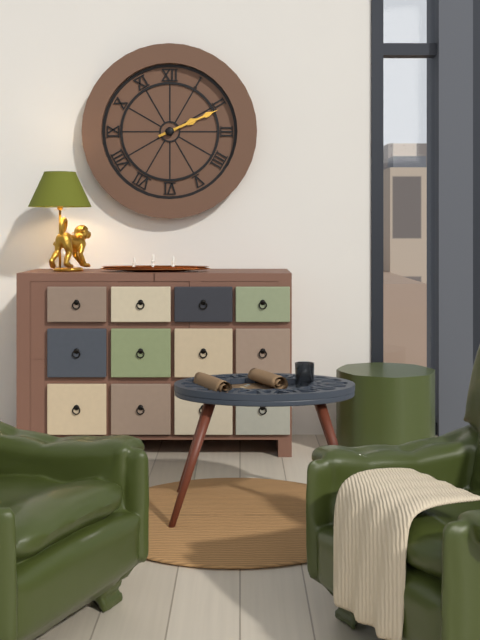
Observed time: 2:11
